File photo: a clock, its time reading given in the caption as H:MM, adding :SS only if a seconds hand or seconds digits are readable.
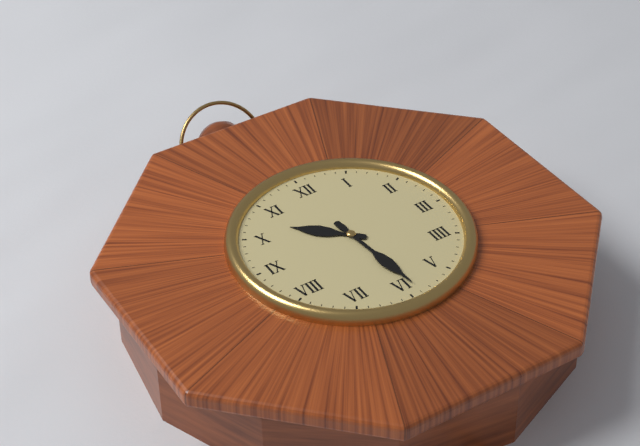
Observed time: 10:29
